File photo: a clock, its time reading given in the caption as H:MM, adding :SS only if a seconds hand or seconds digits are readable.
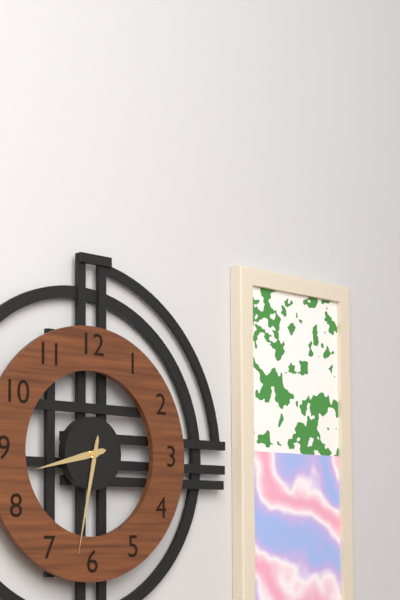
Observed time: 8:32
